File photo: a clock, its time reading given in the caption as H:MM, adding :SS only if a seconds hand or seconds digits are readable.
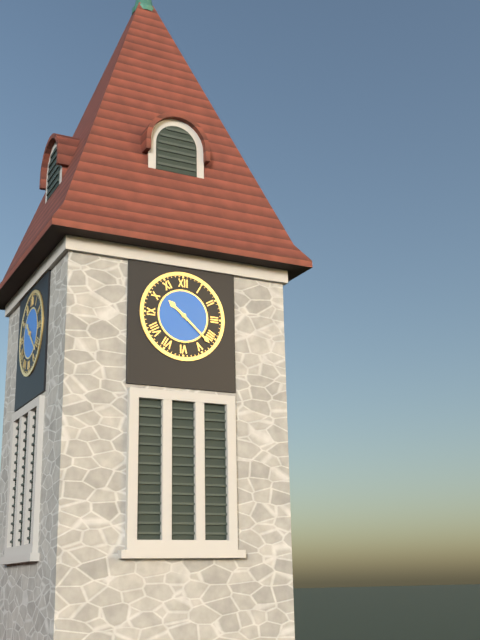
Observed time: 10:22
